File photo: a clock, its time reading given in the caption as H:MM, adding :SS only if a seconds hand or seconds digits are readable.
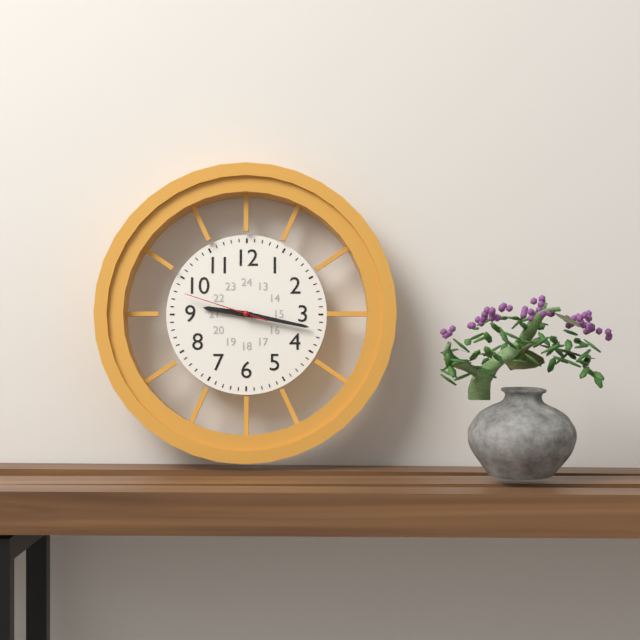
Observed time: 9:17:48
